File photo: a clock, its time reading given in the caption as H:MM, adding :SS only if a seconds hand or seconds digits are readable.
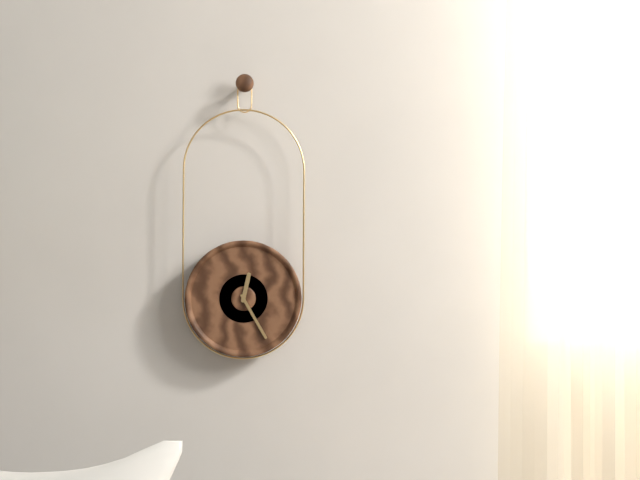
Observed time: 12:25
